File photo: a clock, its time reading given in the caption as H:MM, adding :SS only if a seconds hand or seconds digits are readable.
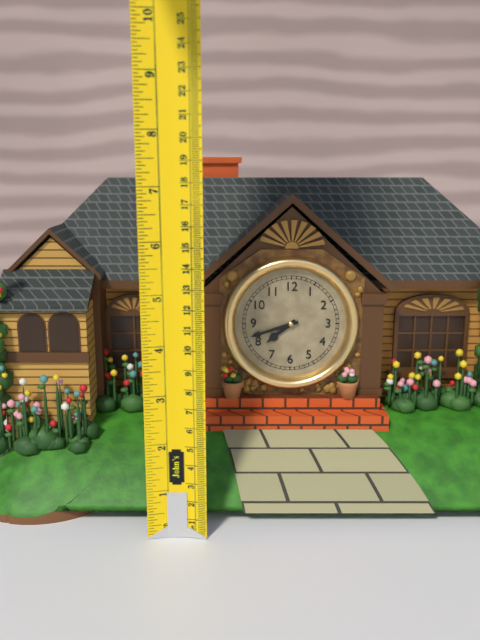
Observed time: 7:42
